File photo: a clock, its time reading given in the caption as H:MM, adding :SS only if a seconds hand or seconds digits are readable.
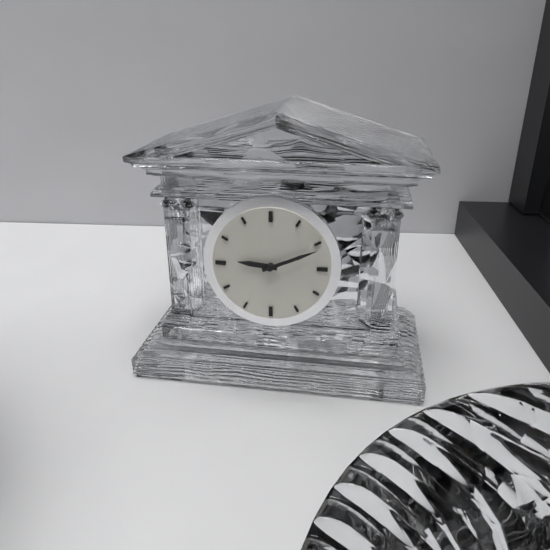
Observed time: 9:11
